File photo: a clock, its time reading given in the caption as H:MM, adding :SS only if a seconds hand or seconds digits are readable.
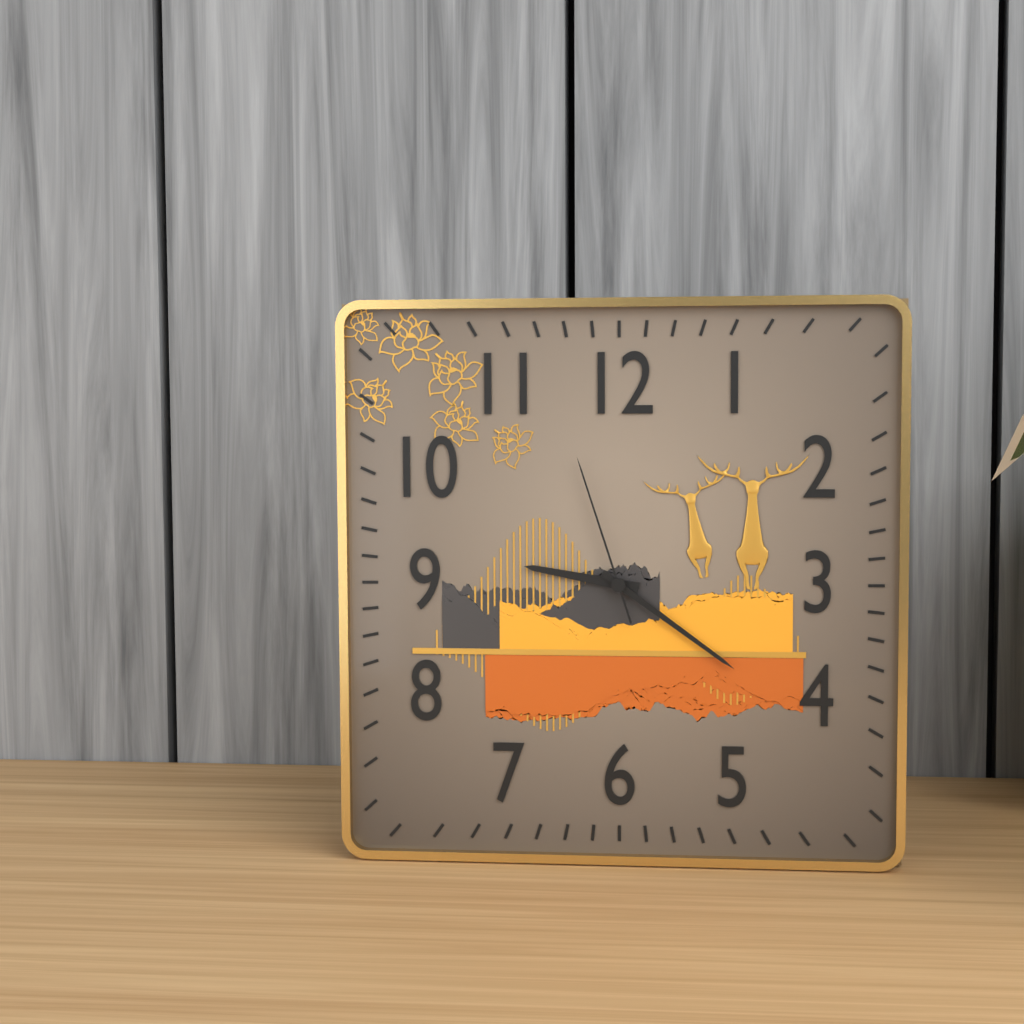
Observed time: 9:21:57
